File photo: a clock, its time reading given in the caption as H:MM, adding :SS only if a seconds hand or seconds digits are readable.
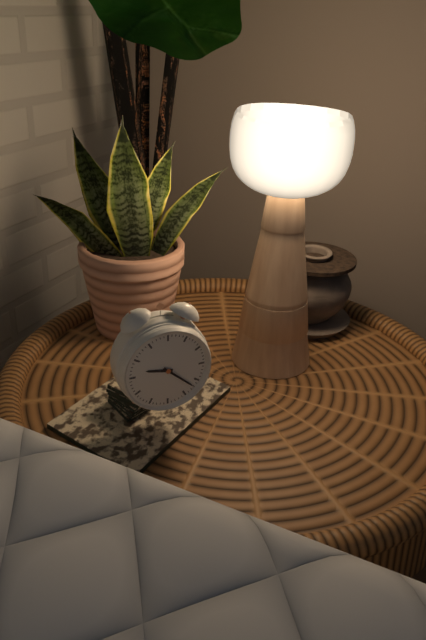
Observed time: 9:22
